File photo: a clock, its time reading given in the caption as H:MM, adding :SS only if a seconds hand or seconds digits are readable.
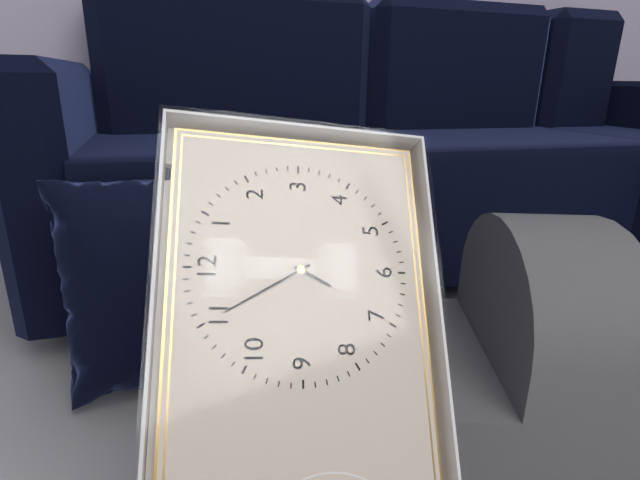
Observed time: 6:55
